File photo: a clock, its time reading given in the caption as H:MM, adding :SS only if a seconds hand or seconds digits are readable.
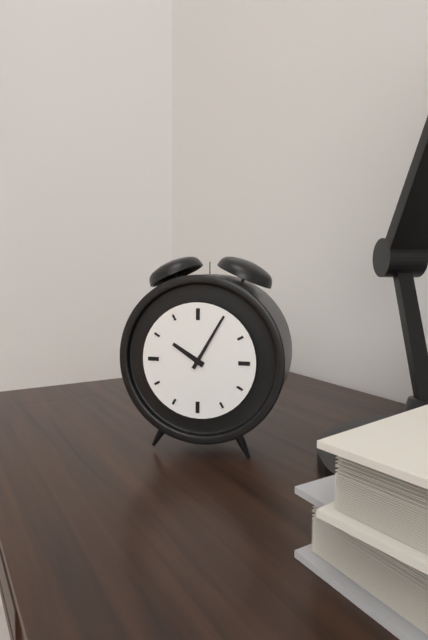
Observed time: 10:05
